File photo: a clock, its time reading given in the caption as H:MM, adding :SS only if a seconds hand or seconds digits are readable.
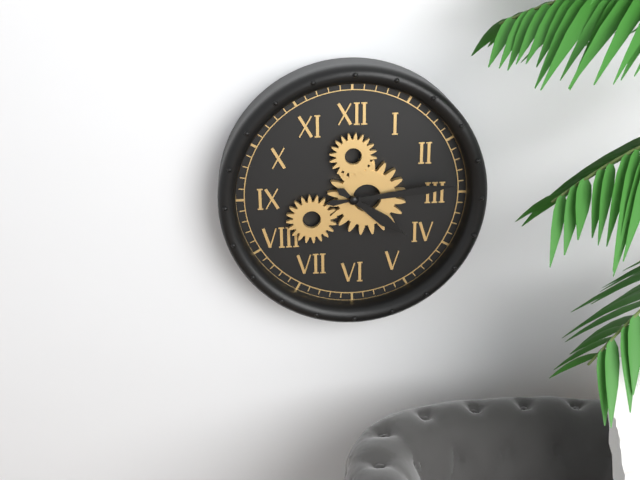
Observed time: 4:14
